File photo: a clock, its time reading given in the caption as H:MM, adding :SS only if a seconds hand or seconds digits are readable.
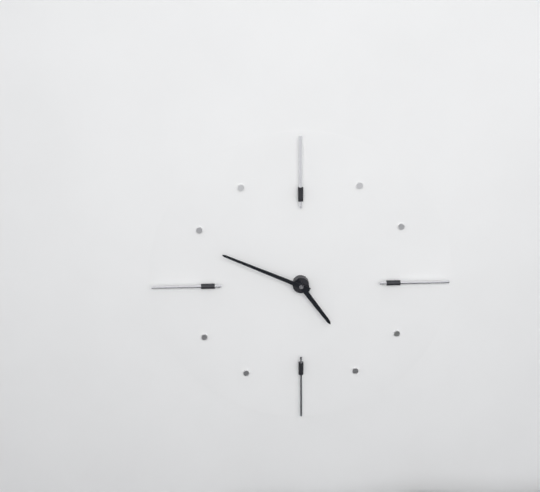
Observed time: 4:49
